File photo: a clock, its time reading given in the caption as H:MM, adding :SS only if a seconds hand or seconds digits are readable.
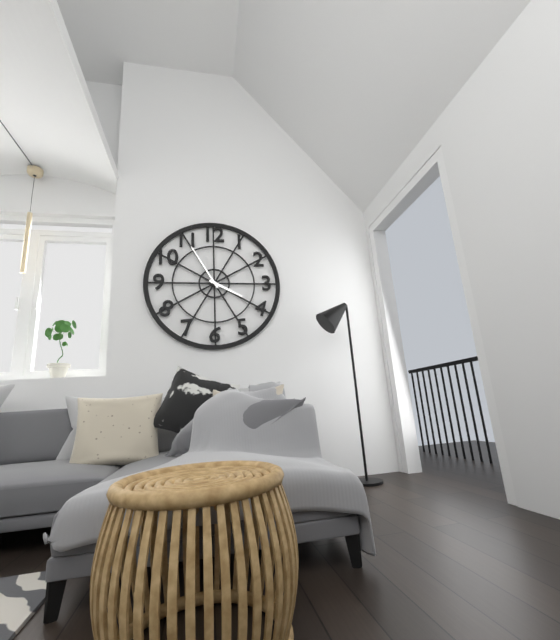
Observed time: 3:55
